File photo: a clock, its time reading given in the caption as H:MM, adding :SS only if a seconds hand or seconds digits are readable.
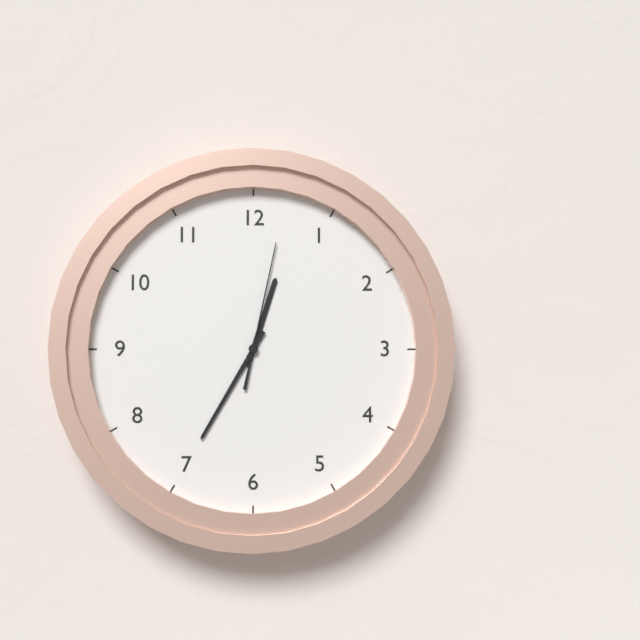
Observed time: 12:35:02
